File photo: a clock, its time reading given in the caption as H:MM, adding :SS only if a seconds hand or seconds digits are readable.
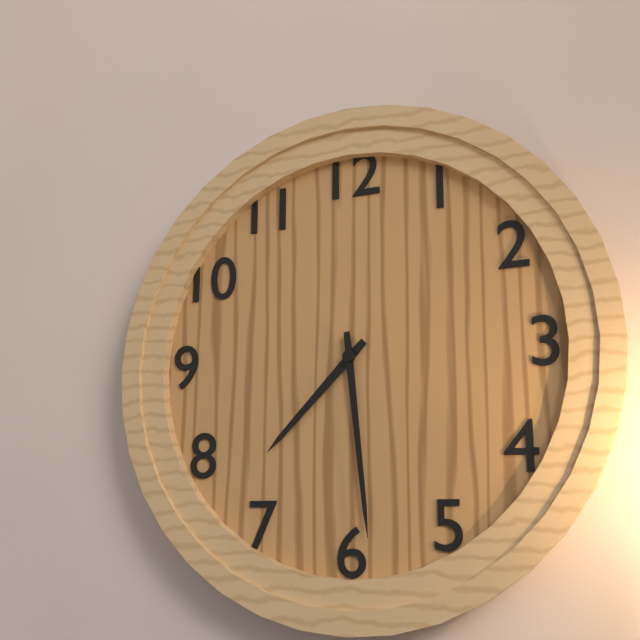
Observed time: 7:29
